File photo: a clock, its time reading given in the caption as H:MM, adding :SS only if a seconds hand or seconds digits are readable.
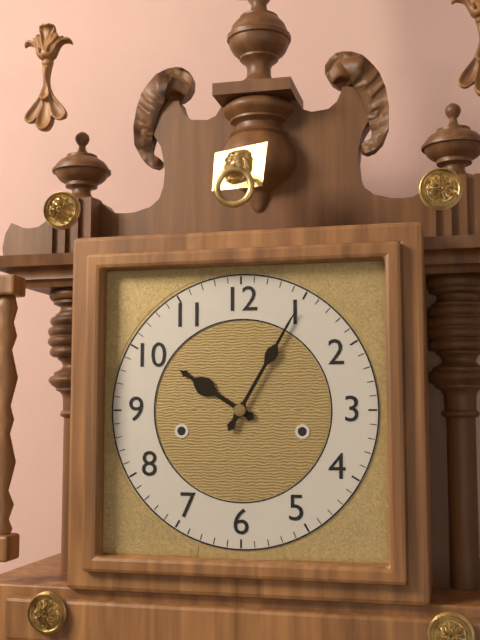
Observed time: 10:05
